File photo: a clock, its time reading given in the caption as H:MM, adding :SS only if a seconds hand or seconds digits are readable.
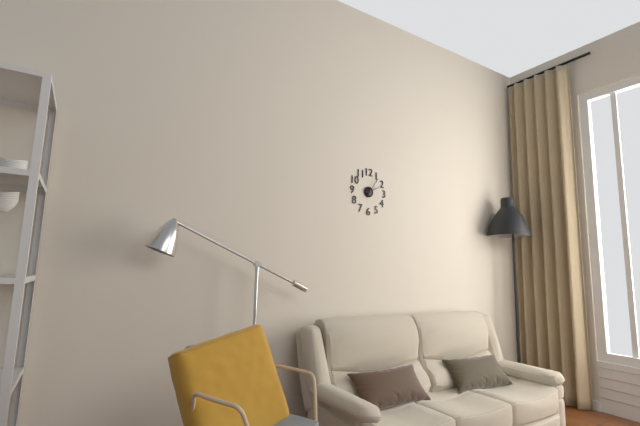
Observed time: 2:06
